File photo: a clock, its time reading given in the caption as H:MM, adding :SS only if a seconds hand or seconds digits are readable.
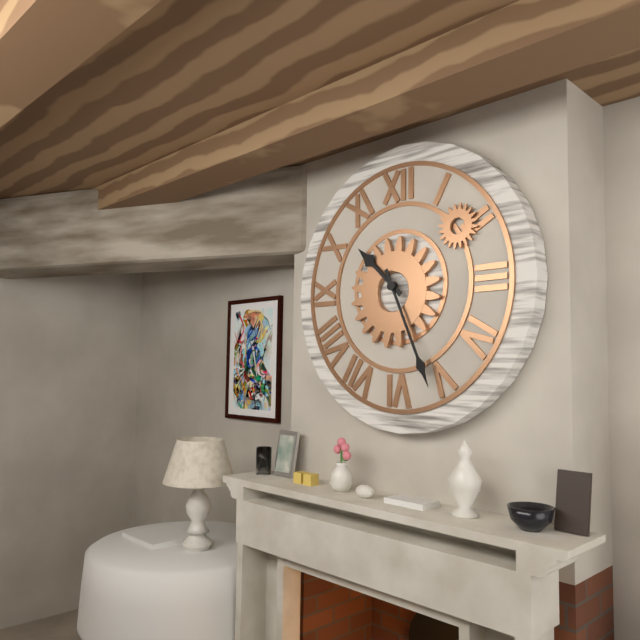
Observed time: 10:26
